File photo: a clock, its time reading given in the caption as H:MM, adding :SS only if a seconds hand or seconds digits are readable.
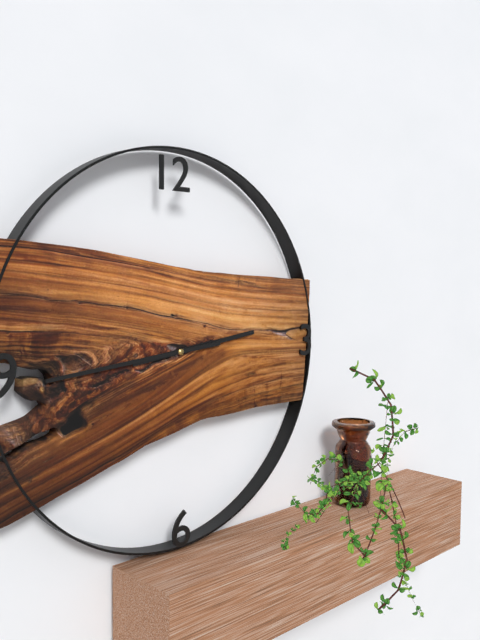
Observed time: 2:44
